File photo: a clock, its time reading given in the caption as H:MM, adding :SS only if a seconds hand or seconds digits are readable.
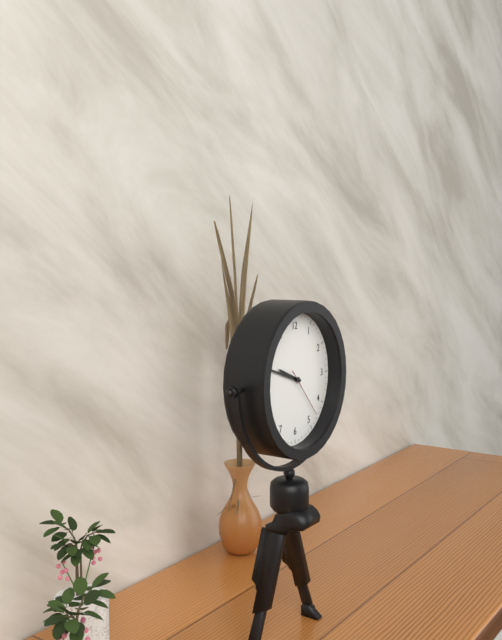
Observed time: 9:48:23
